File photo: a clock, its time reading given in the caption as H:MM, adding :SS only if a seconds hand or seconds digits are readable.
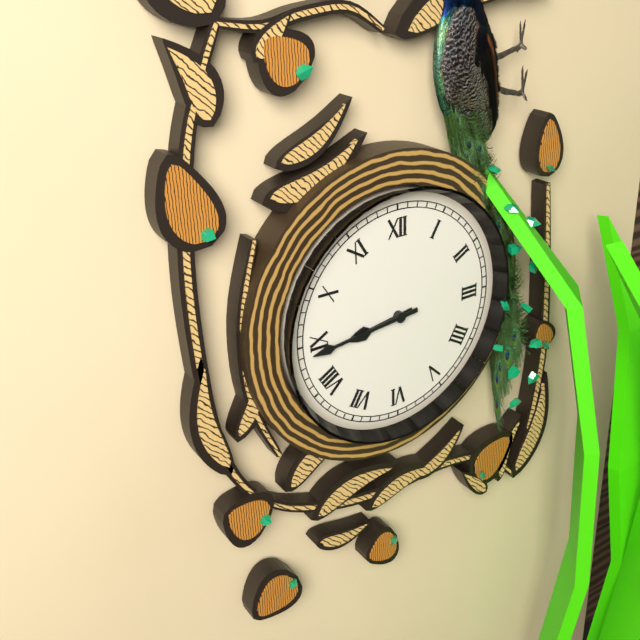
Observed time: 8:44
